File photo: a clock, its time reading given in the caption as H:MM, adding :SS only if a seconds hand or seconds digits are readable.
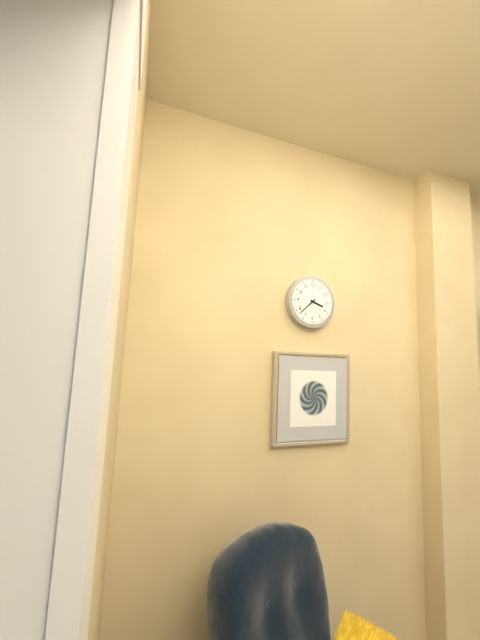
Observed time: 3:38
